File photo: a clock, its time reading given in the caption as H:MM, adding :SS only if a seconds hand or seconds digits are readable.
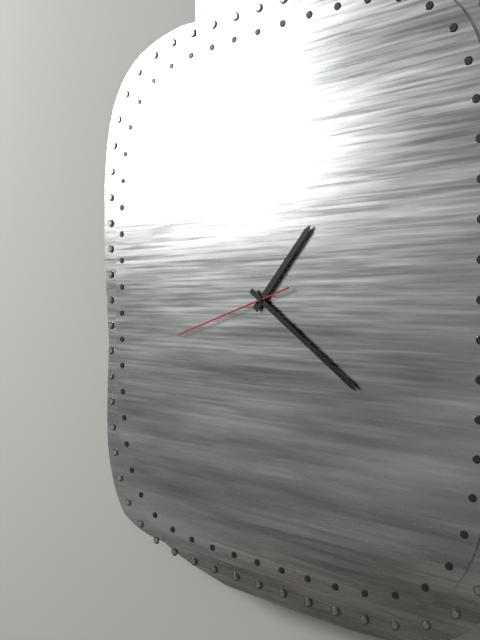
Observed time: 1:21:42
